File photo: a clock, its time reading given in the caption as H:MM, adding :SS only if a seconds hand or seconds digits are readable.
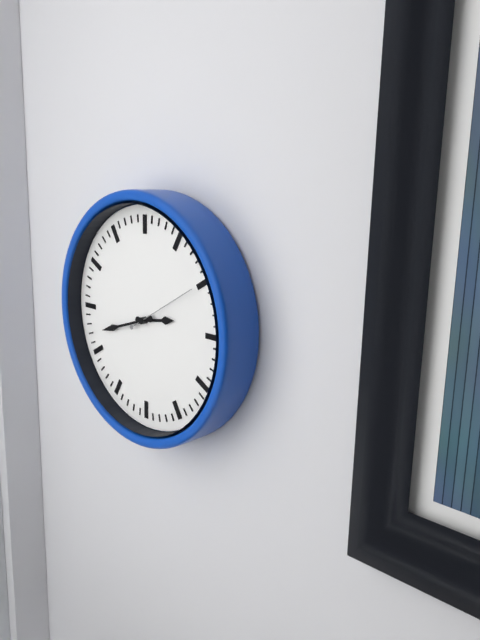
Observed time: 2:42
